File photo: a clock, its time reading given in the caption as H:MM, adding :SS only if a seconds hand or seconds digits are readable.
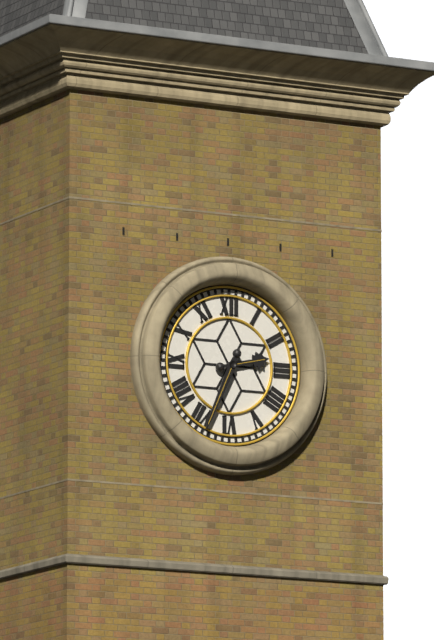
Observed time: 2:34
